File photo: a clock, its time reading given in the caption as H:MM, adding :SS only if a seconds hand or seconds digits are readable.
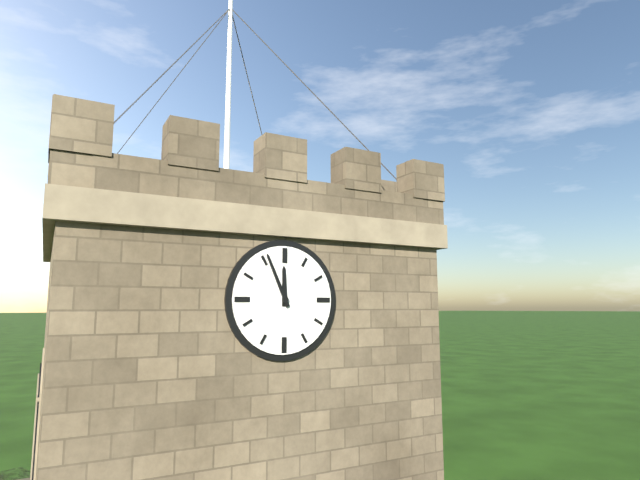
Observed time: 11:56
